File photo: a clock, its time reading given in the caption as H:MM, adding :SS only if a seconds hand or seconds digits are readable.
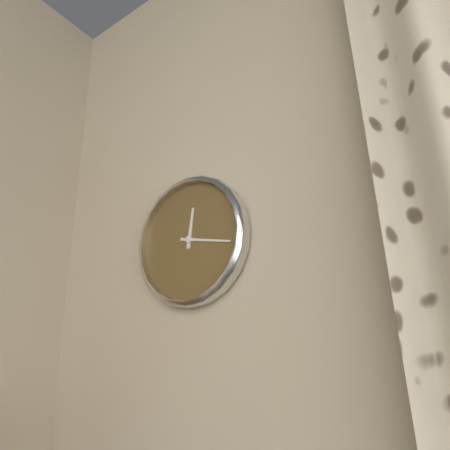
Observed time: 12:17
